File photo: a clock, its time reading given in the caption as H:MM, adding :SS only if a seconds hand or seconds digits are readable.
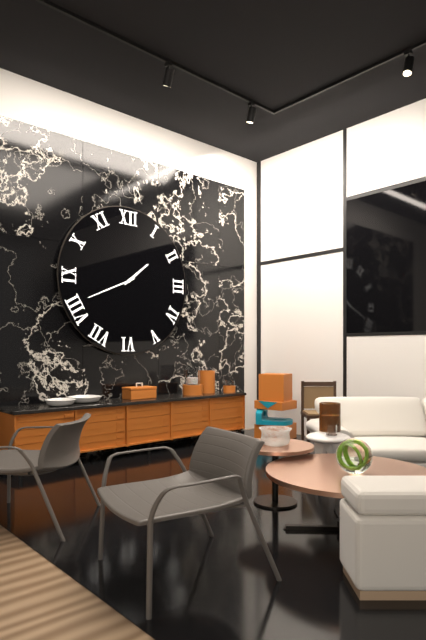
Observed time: 1:41
